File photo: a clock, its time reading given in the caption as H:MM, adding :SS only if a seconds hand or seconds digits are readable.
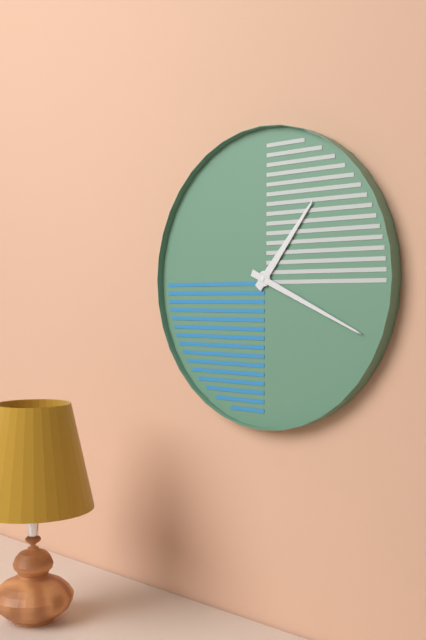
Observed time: 1:19
